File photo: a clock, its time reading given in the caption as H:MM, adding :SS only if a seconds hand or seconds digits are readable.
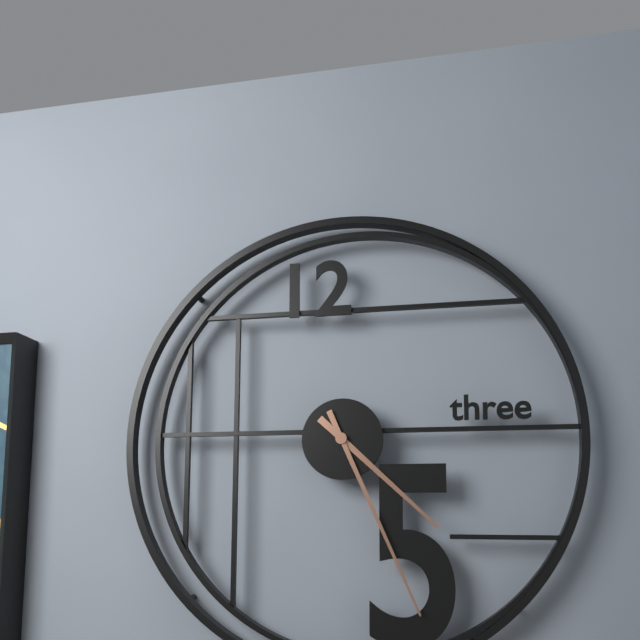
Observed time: 4:26
